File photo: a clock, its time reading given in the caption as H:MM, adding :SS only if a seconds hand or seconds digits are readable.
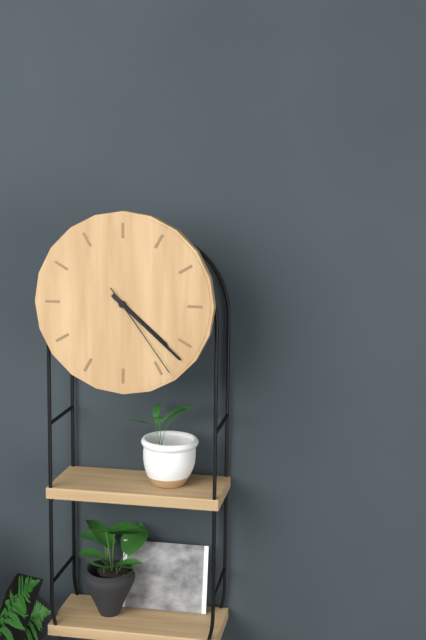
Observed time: 4:22:24
